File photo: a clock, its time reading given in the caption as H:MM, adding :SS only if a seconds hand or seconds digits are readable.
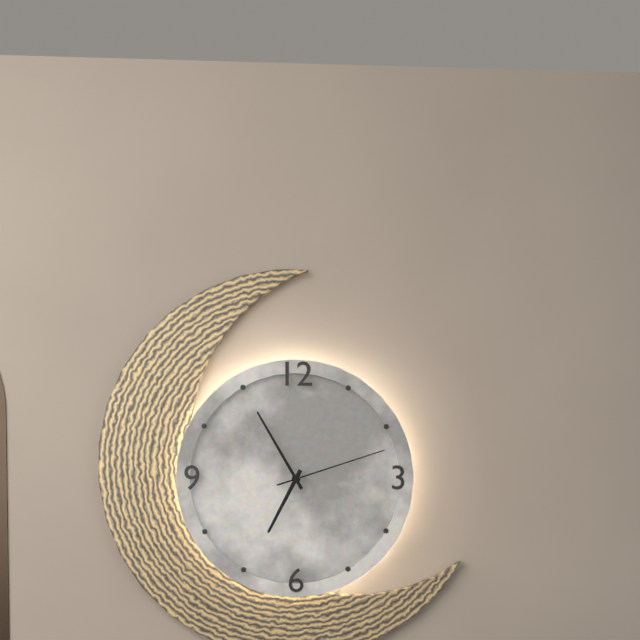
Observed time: 6:55:12
